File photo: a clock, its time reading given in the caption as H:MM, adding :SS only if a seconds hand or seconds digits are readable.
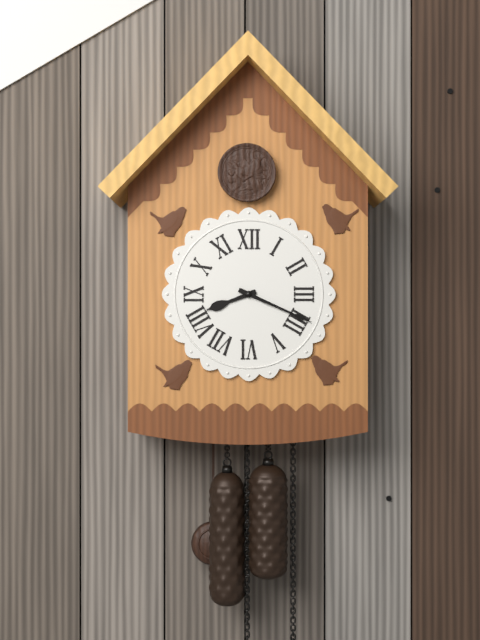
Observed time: 8:19
